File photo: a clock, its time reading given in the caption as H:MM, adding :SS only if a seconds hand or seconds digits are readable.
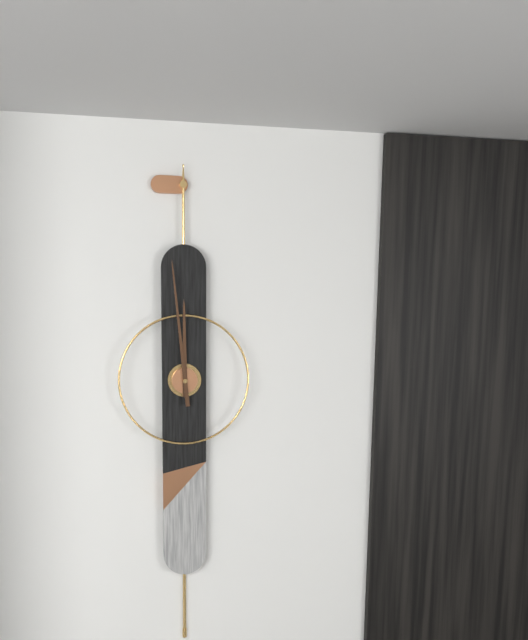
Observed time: 11:59
